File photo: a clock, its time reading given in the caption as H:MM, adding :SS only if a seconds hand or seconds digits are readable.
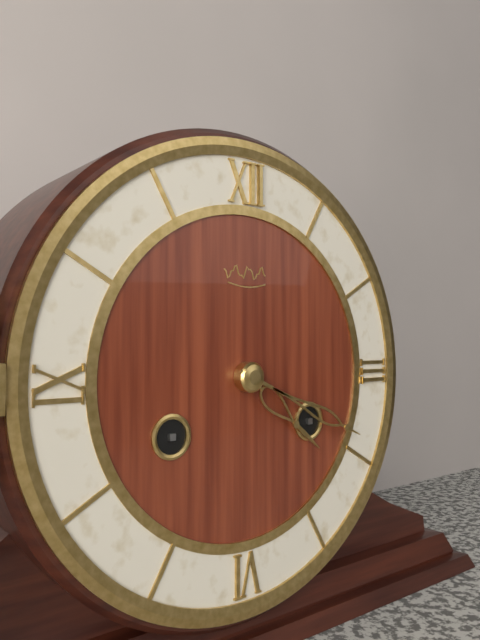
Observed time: 4:19
